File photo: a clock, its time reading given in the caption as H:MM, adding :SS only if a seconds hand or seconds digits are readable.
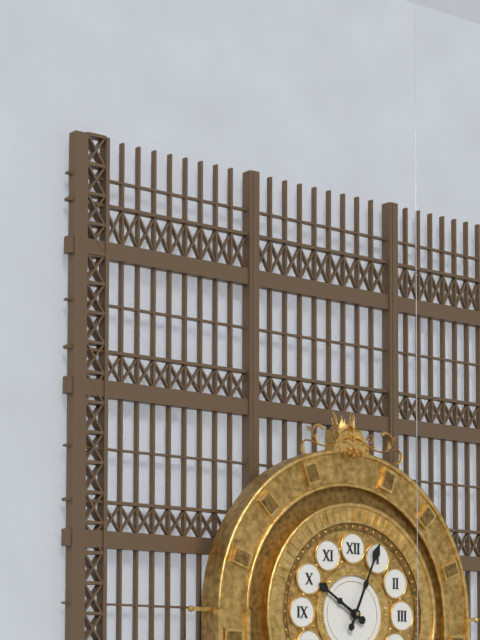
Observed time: 10:04
